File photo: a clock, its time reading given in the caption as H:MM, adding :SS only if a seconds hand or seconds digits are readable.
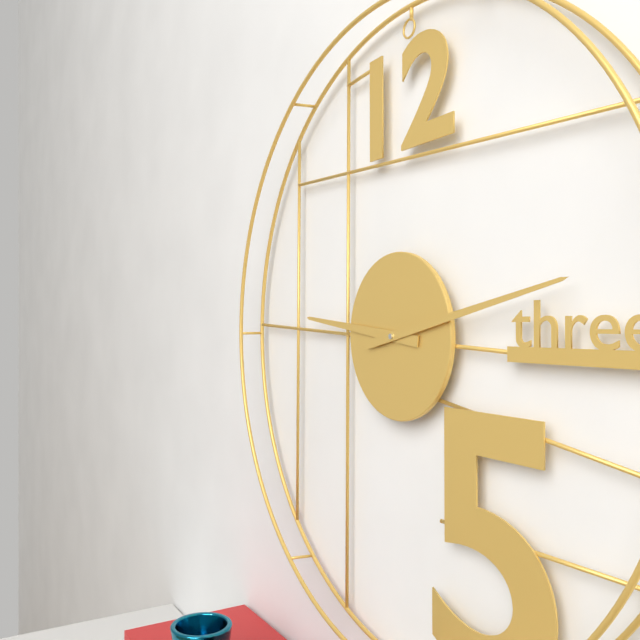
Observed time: 9:13
